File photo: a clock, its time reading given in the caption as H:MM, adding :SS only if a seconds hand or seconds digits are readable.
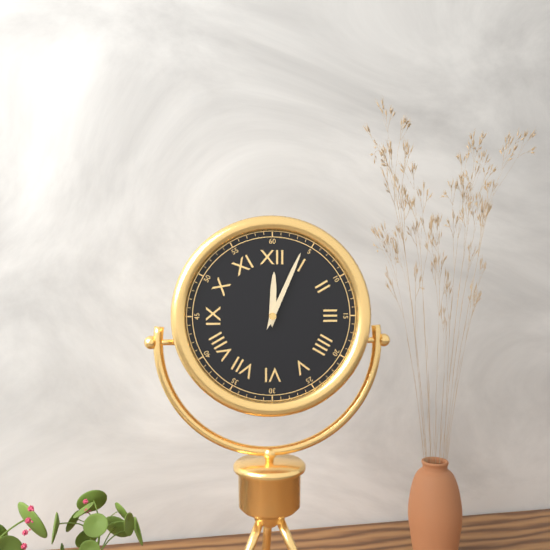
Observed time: 12:04
